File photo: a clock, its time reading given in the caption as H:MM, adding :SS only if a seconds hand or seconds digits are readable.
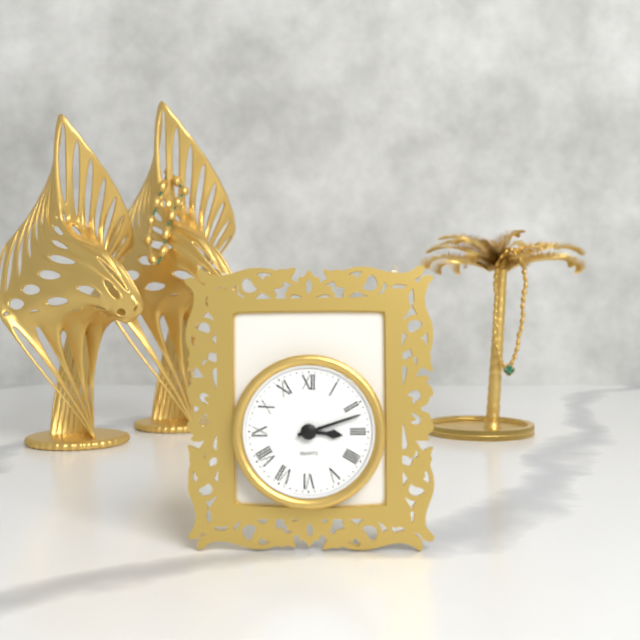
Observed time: 3:12
